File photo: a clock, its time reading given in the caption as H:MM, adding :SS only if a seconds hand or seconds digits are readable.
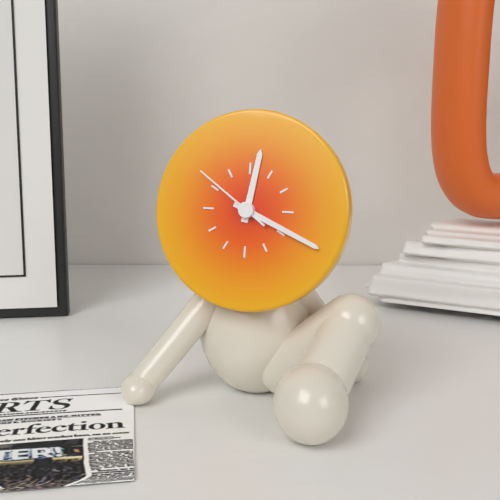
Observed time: 12:19:51
